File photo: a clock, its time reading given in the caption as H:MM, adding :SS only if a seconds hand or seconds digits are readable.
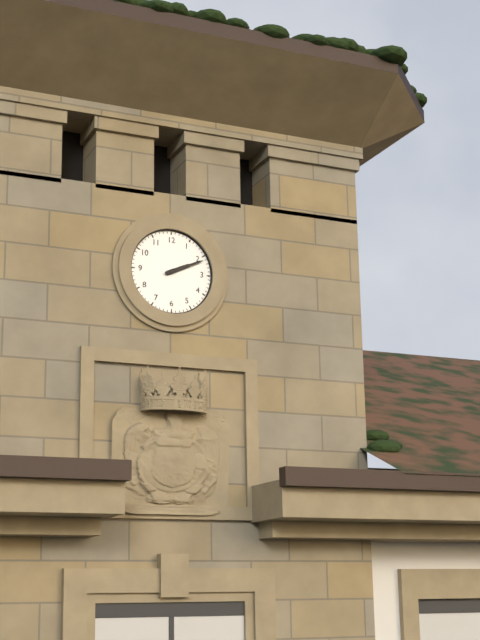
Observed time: 2:11
